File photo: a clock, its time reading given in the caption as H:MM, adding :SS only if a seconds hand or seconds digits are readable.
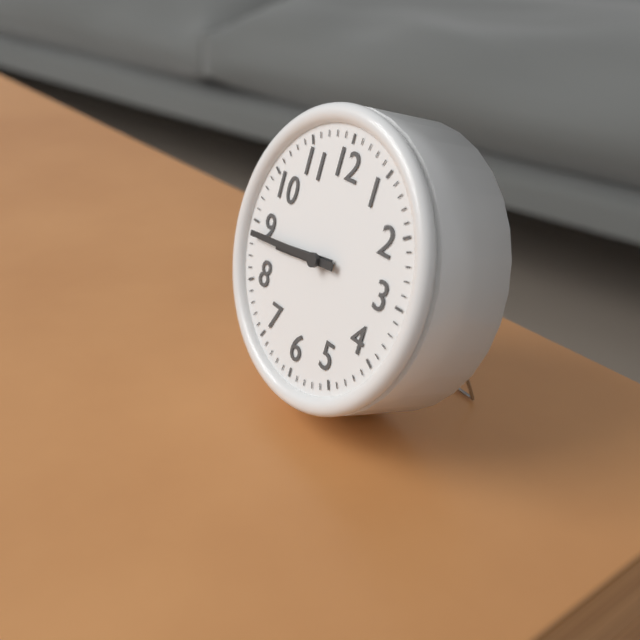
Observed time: 8:44
